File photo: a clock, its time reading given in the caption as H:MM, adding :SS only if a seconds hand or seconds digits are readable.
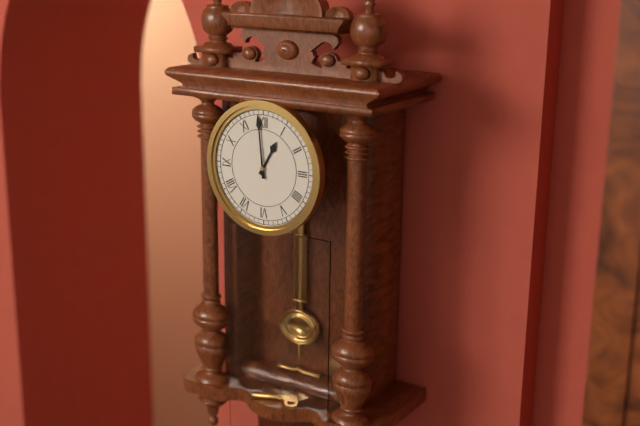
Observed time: 12:59
